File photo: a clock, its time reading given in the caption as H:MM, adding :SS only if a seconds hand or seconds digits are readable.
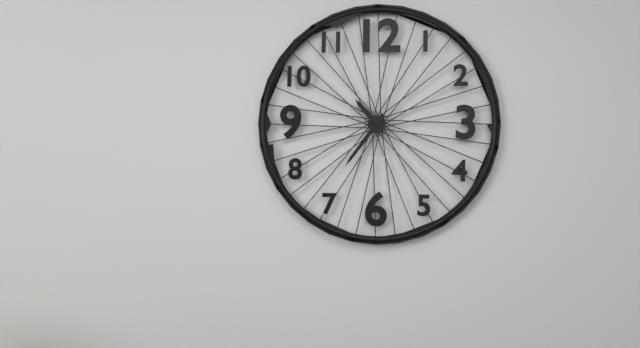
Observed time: 10:36
